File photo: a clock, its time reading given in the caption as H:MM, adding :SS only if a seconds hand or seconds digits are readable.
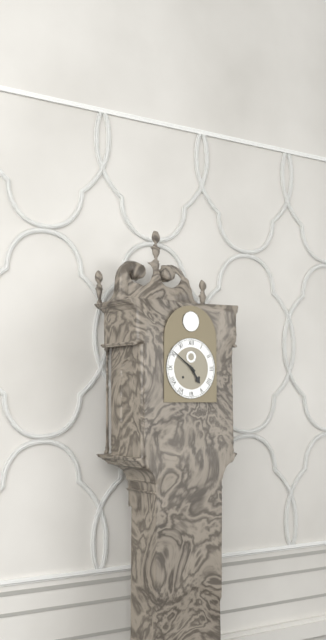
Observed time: 4:51
